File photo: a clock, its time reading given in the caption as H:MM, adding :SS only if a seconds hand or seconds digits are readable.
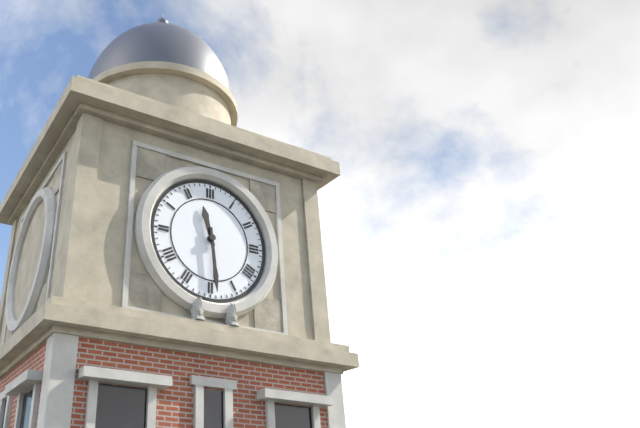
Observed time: 11:29
